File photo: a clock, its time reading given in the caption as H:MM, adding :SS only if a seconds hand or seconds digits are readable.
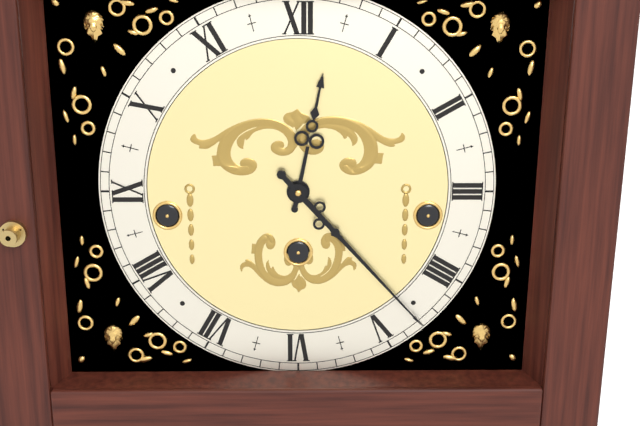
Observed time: 12:23
